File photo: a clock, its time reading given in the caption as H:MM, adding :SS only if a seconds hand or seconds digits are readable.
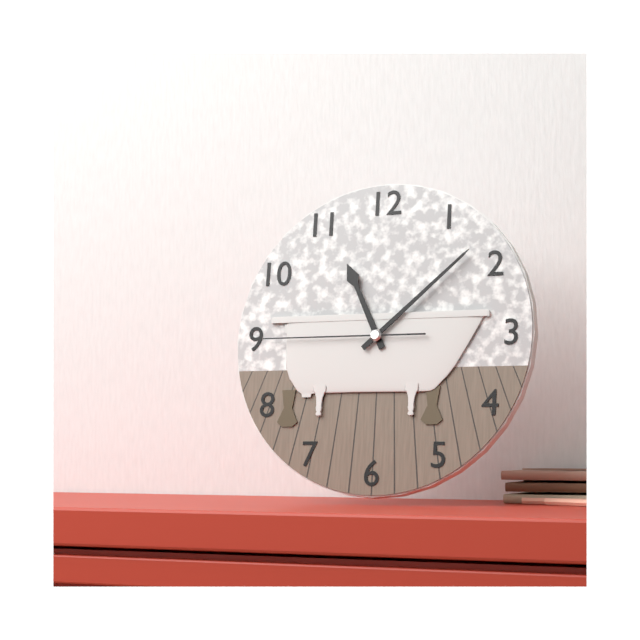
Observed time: 11:08:45
